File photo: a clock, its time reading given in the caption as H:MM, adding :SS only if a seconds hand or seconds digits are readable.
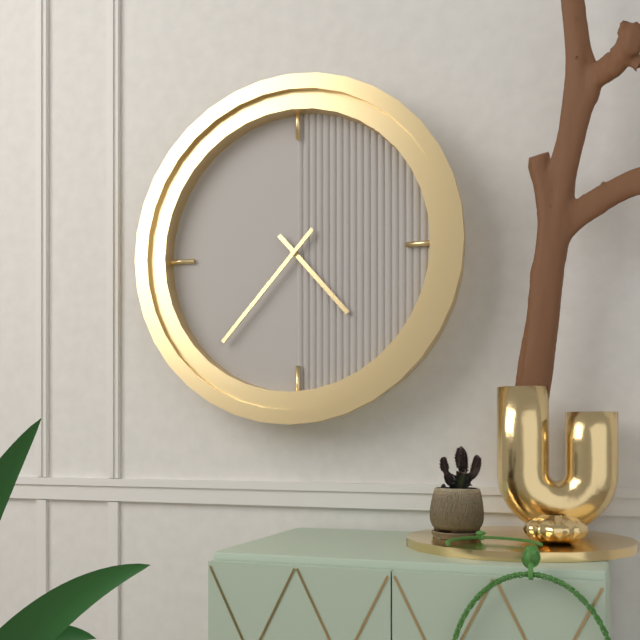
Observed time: 4:37
